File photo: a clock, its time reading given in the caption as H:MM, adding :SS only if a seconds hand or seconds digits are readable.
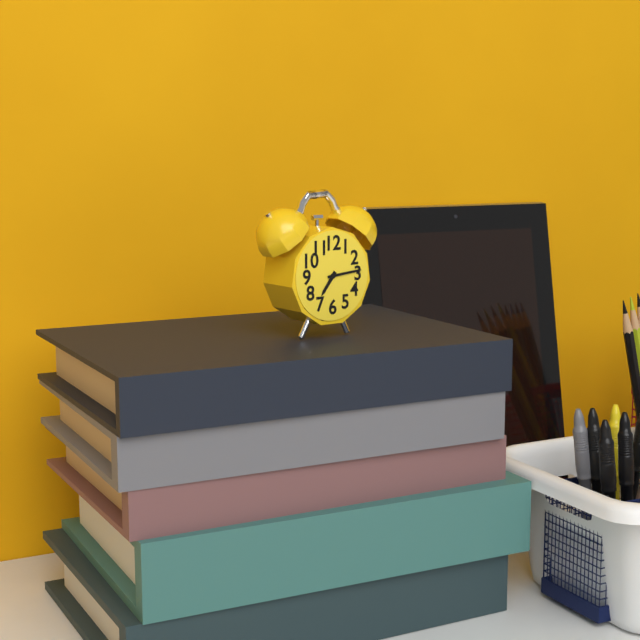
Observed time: 7:14
